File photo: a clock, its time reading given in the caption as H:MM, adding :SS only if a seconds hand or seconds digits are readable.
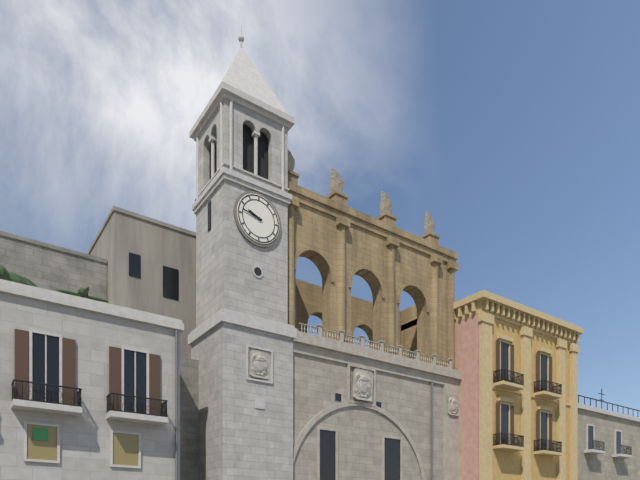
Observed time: 9:47
